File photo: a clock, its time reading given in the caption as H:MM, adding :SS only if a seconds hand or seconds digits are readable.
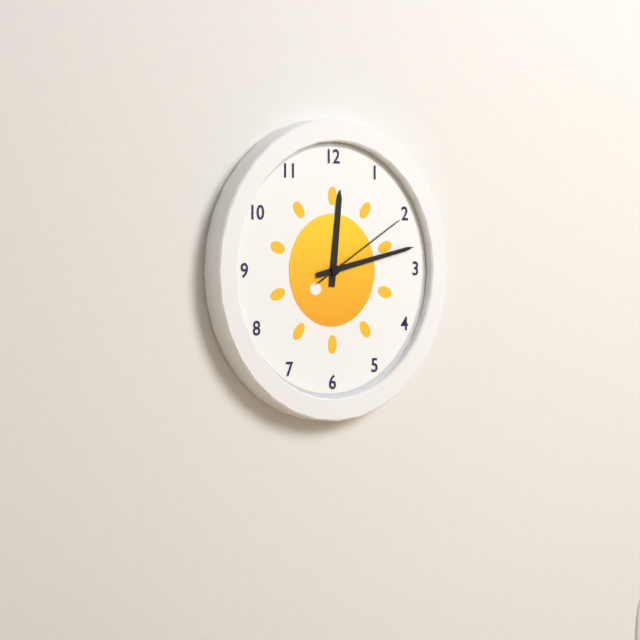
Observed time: 12:13:10
